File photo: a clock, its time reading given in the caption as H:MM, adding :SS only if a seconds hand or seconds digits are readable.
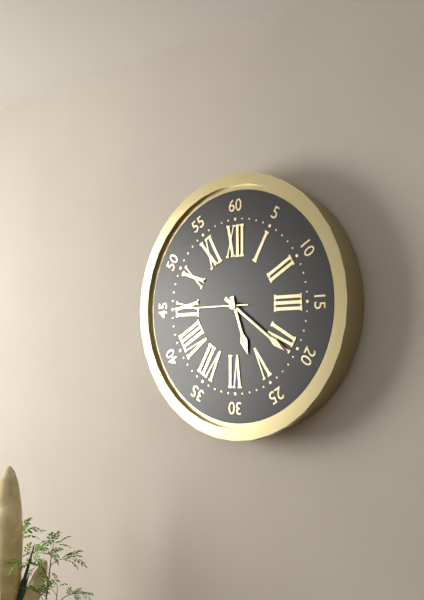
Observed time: 5:21:45
